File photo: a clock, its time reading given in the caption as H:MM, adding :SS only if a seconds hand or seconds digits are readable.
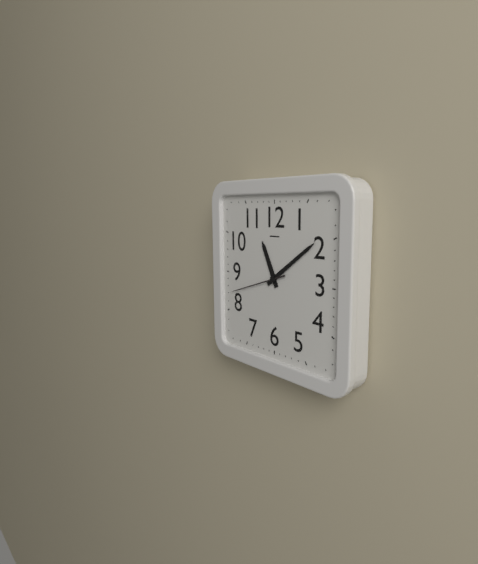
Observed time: 11:09:42
